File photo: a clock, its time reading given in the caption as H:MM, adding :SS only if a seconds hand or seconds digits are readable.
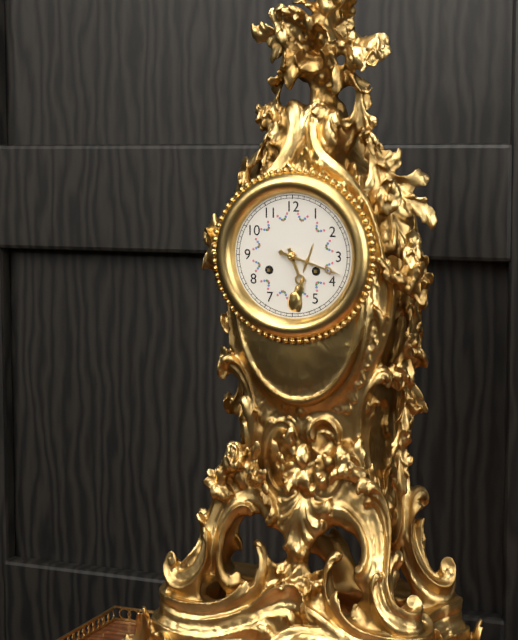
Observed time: 5:18
